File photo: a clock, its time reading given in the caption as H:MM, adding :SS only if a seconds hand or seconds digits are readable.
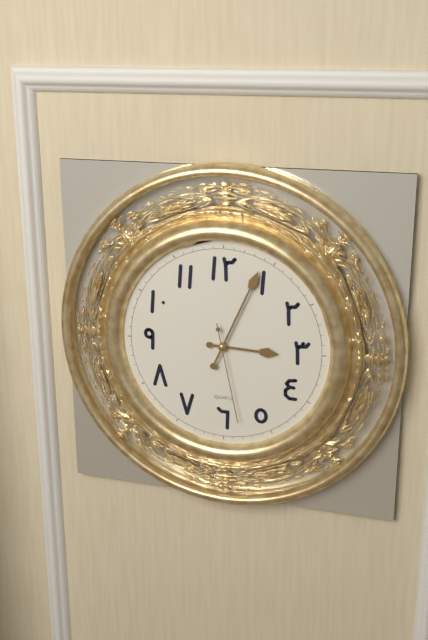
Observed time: 3:04:28
